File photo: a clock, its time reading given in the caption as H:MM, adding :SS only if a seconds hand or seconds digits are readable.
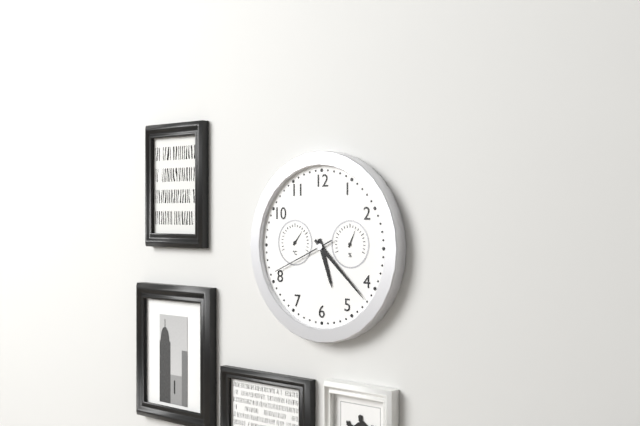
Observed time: 5:22:41
